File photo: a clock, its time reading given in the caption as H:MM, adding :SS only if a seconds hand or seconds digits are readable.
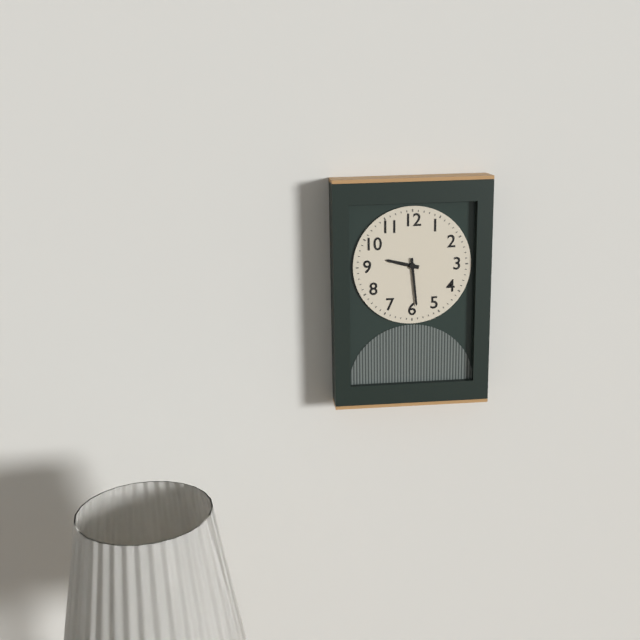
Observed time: 9:29
